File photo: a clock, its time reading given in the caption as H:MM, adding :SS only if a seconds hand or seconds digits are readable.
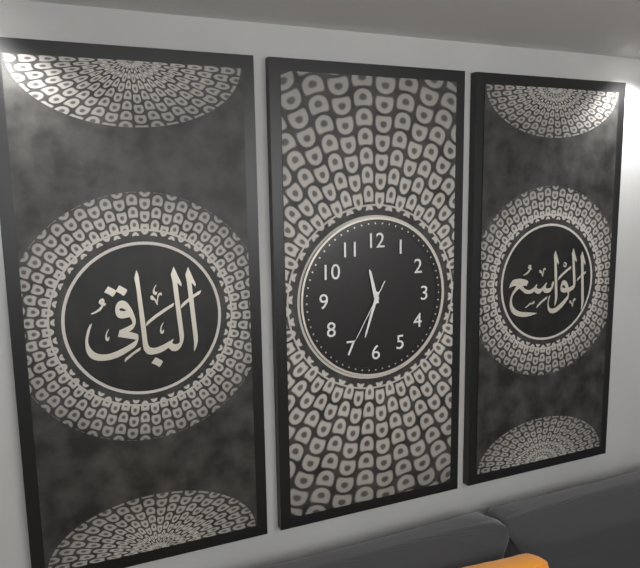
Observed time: 11:33:35
